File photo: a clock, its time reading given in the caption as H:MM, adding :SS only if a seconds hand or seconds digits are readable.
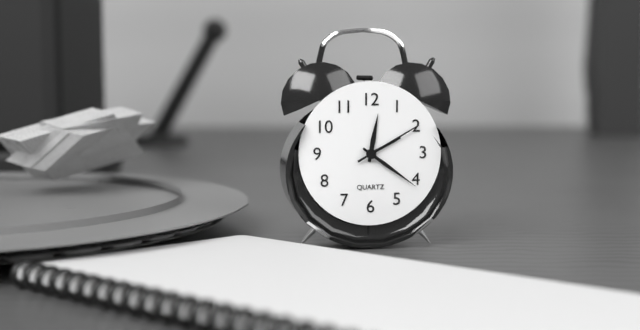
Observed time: 12:21:10
